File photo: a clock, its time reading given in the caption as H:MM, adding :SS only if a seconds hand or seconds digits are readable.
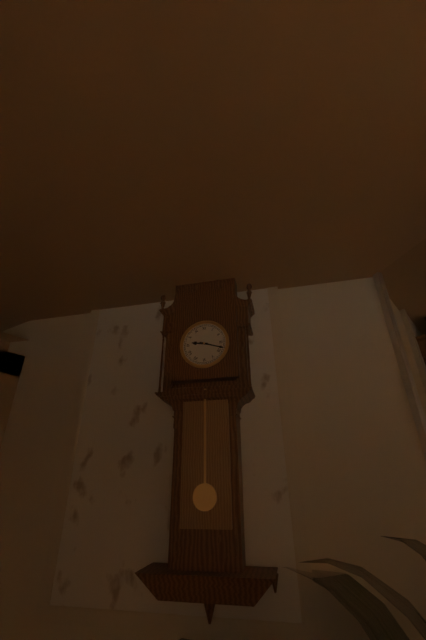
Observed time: 9:18
